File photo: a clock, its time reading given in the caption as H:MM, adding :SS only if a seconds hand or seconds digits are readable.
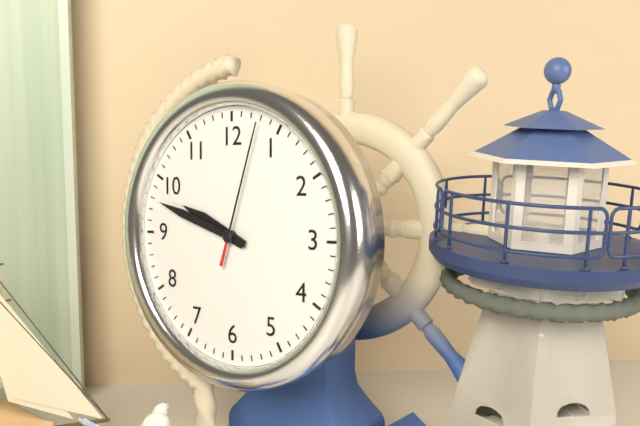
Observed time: 9:48:03
